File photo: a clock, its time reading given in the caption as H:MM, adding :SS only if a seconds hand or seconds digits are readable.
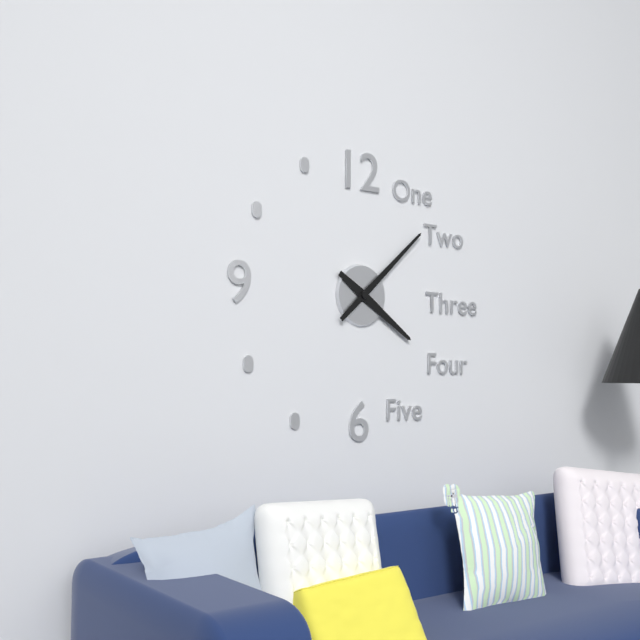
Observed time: 4:08
